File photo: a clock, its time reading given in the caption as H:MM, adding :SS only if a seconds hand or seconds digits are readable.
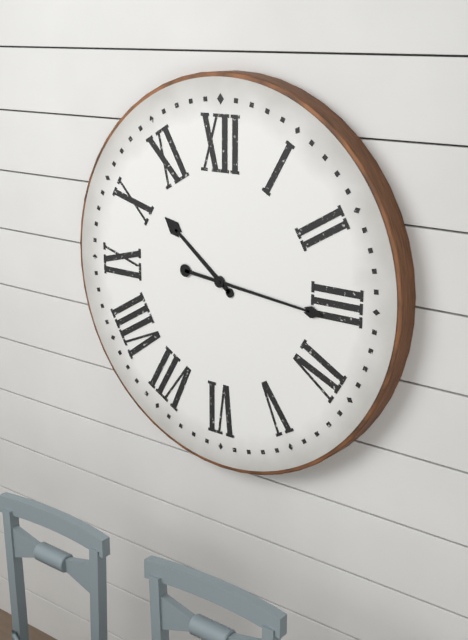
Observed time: 10:16
